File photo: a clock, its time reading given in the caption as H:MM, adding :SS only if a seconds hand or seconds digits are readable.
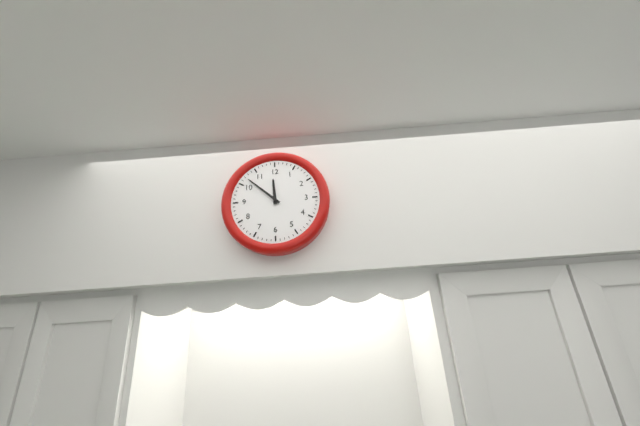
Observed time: 11:52
